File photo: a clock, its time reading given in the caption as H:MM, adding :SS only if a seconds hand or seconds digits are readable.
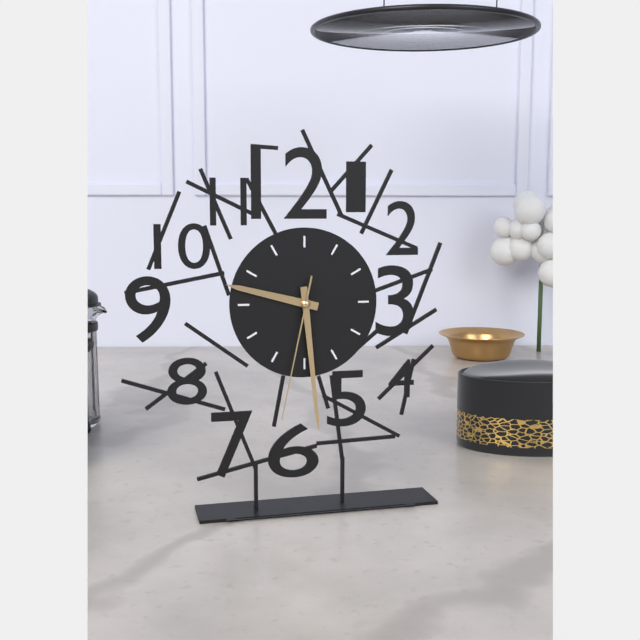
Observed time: 9:29:32
